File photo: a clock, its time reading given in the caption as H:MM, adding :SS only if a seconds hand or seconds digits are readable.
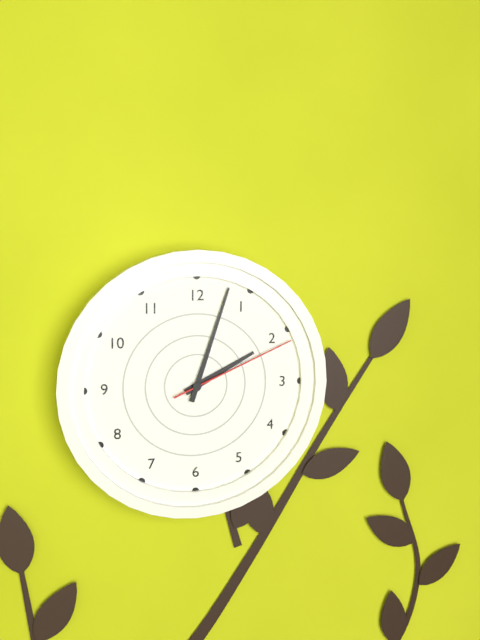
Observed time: 2:03:11
